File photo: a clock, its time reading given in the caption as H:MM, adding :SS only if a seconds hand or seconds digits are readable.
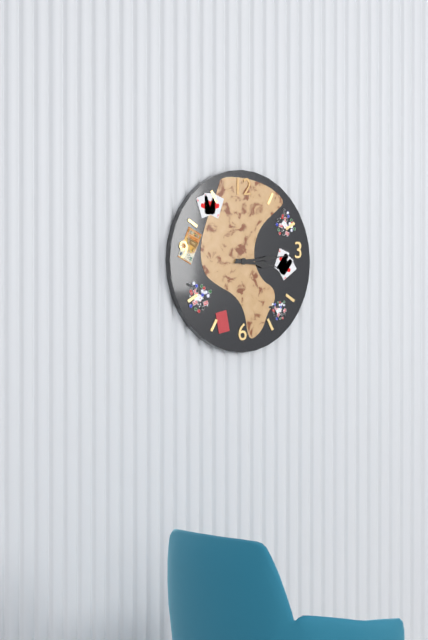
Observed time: 3:14
